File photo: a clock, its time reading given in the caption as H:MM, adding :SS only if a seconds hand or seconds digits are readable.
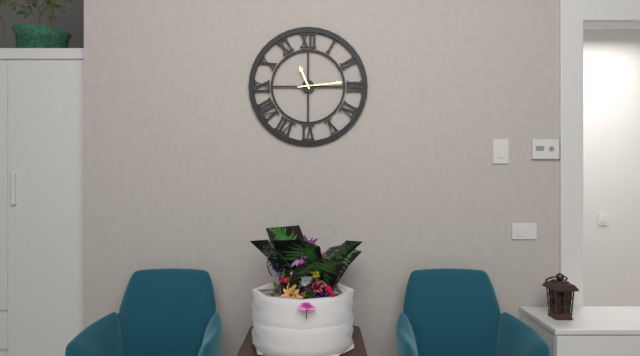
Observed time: 11:14
